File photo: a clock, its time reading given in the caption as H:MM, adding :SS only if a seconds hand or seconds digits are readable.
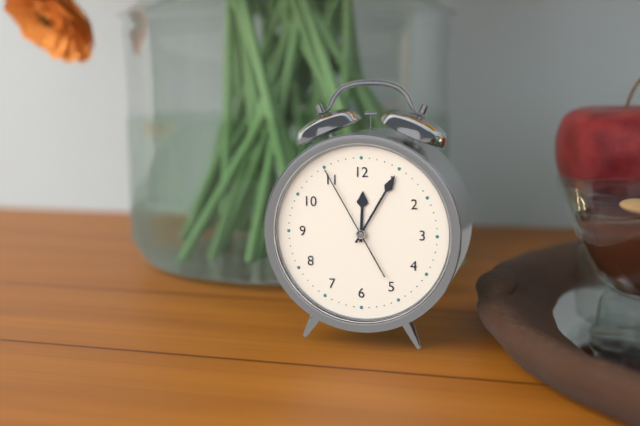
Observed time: 12:05:55
